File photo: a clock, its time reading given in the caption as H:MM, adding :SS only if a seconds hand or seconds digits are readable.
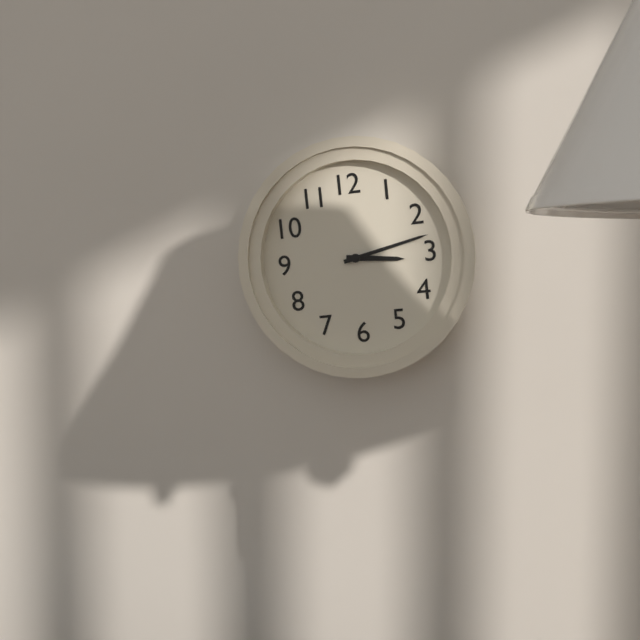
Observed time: 3:13
